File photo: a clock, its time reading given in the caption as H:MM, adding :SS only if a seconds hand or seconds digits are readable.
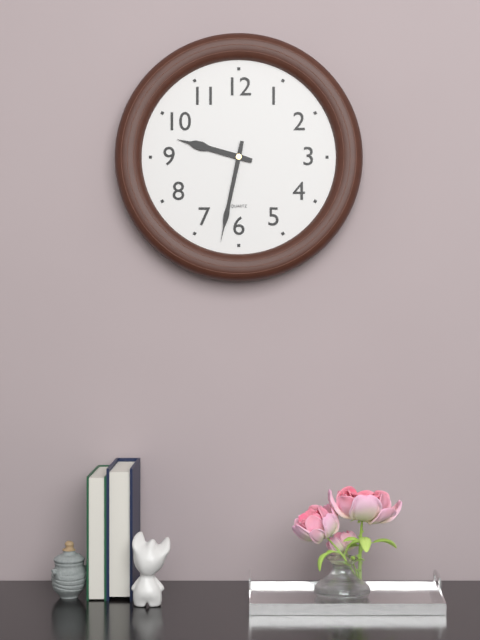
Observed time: 9:32
